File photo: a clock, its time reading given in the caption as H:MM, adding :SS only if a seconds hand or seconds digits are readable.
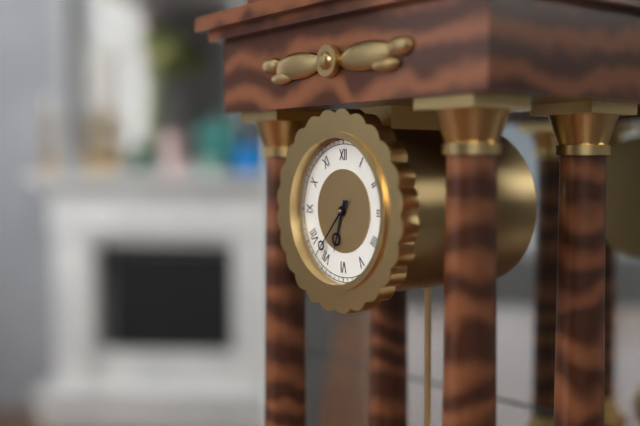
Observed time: 6:37
